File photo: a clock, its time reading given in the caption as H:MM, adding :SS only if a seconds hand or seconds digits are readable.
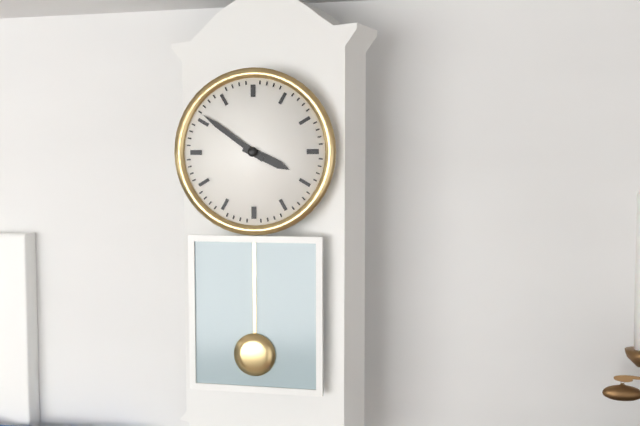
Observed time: 3:51
